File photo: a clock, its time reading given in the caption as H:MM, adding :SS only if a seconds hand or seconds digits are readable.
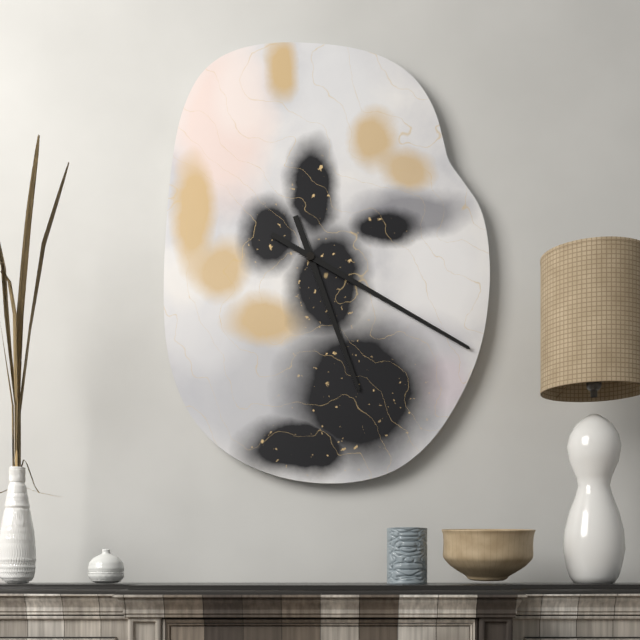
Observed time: 5:20
